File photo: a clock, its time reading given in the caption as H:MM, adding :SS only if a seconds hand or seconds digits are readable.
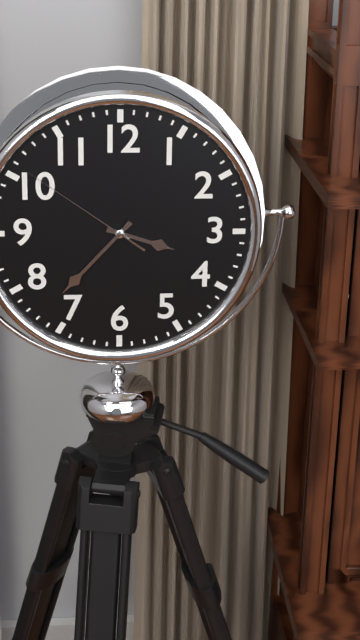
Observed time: 3:37:51
